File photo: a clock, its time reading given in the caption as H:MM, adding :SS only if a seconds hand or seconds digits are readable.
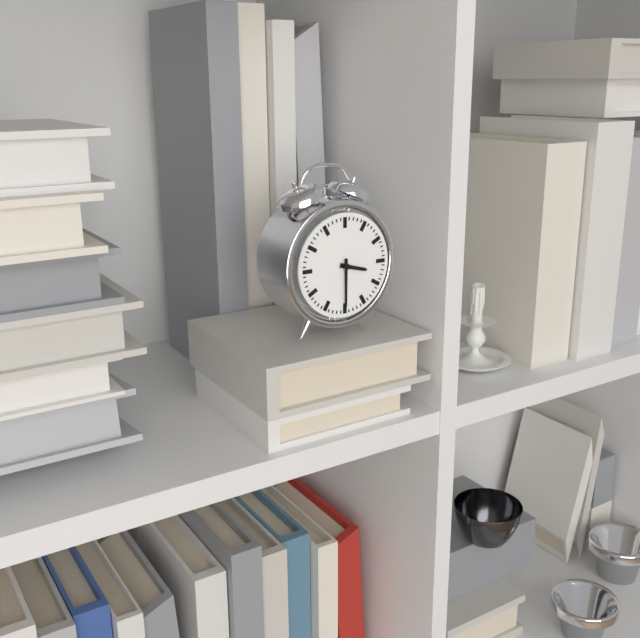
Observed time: 3:30
